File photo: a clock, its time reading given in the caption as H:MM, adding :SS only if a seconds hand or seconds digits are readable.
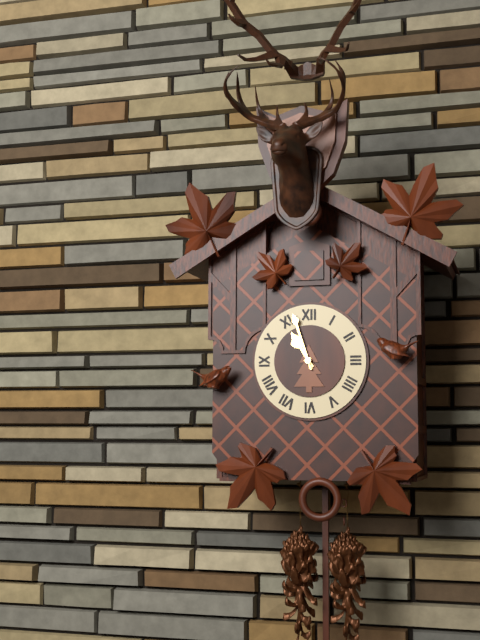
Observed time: 10:57
